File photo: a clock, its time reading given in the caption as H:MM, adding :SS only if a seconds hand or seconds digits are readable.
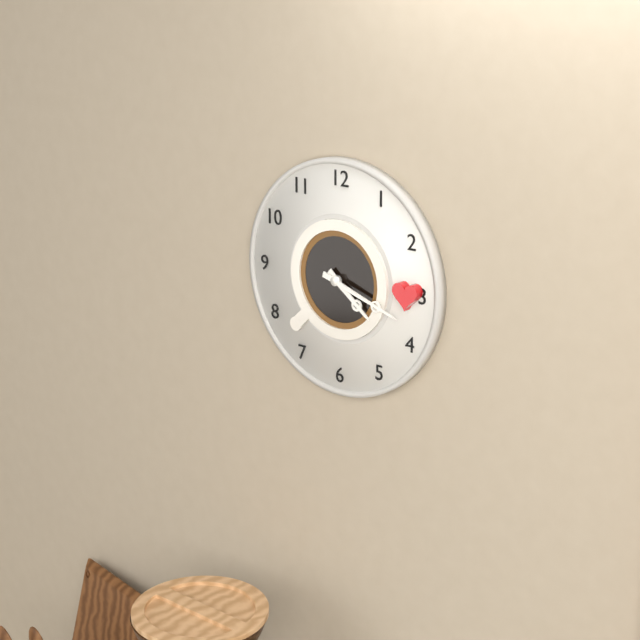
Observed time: 4:18
